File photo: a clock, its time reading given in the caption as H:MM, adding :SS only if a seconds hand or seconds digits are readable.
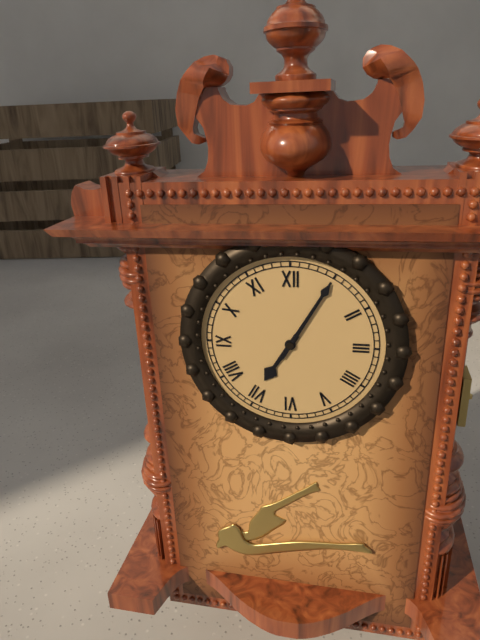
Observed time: 7:05
